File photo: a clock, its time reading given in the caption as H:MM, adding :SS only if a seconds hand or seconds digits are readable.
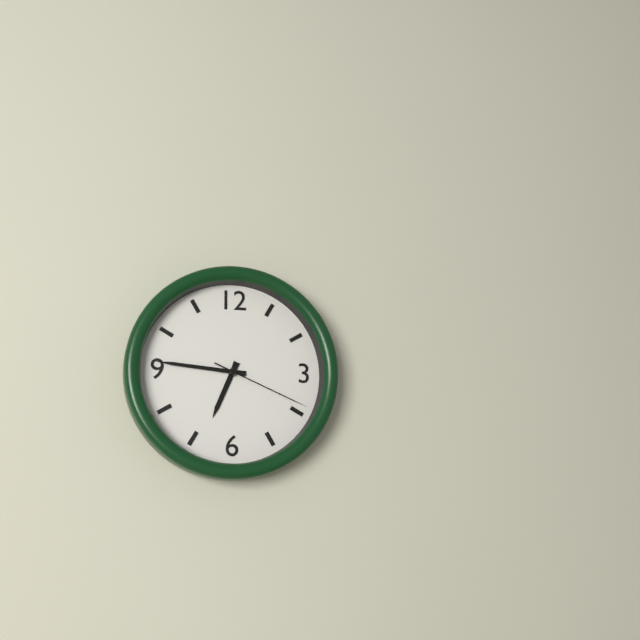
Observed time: 6:46:19
